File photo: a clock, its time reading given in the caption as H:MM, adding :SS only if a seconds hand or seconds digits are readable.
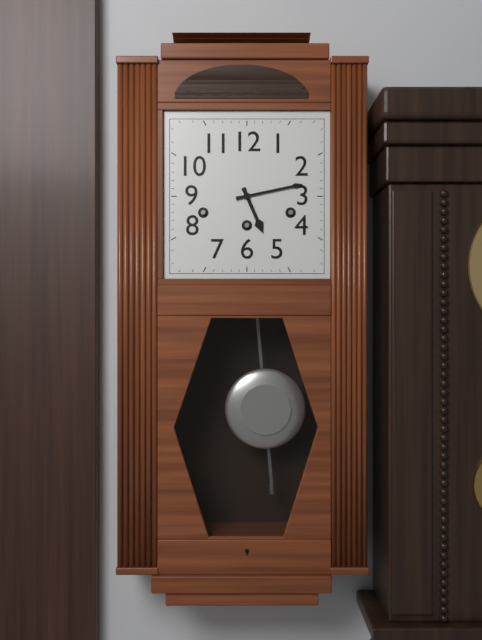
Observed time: 5:13
